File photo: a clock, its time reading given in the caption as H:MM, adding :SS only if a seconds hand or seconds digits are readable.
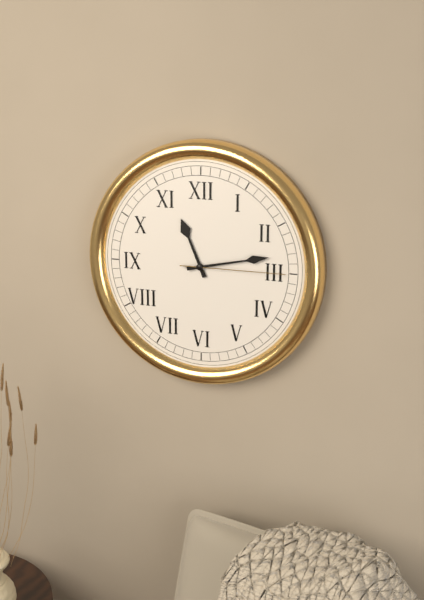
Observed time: 11:13:15
